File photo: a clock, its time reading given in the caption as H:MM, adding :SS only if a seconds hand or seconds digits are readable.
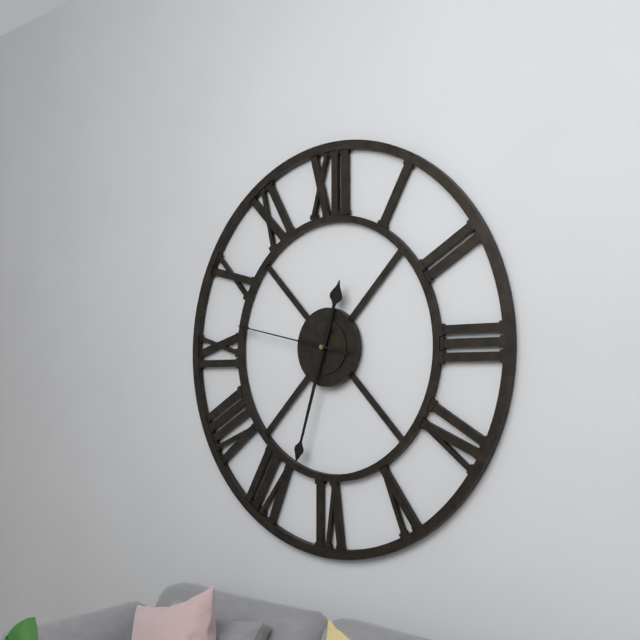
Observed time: 12:33:47
